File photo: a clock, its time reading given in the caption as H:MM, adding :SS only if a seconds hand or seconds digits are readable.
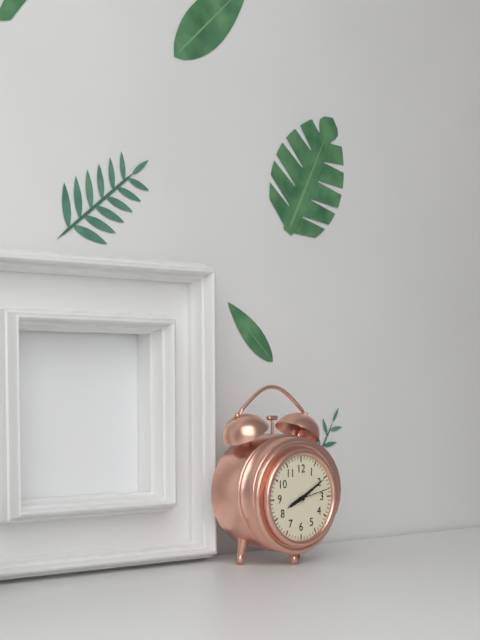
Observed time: 8:10
